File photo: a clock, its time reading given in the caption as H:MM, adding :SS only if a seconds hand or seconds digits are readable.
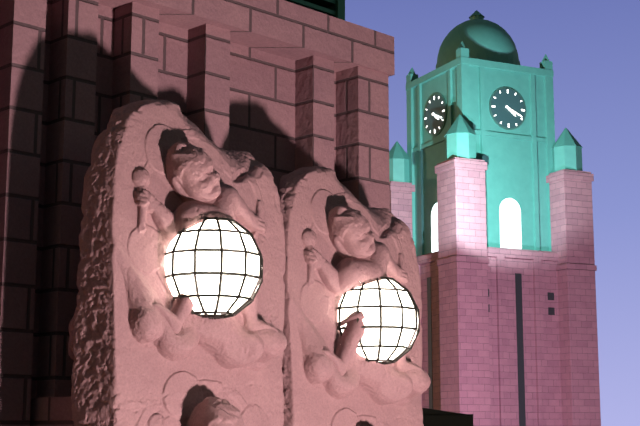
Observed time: 4:19
